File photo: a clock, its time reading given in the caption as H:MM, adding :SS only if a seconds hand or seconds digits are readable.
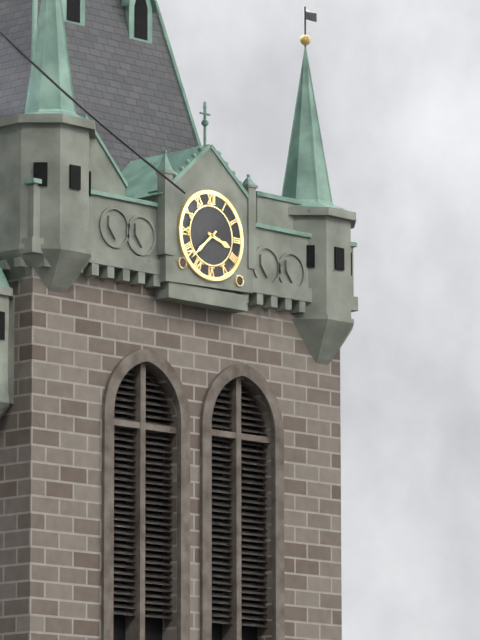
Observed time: 3:38
